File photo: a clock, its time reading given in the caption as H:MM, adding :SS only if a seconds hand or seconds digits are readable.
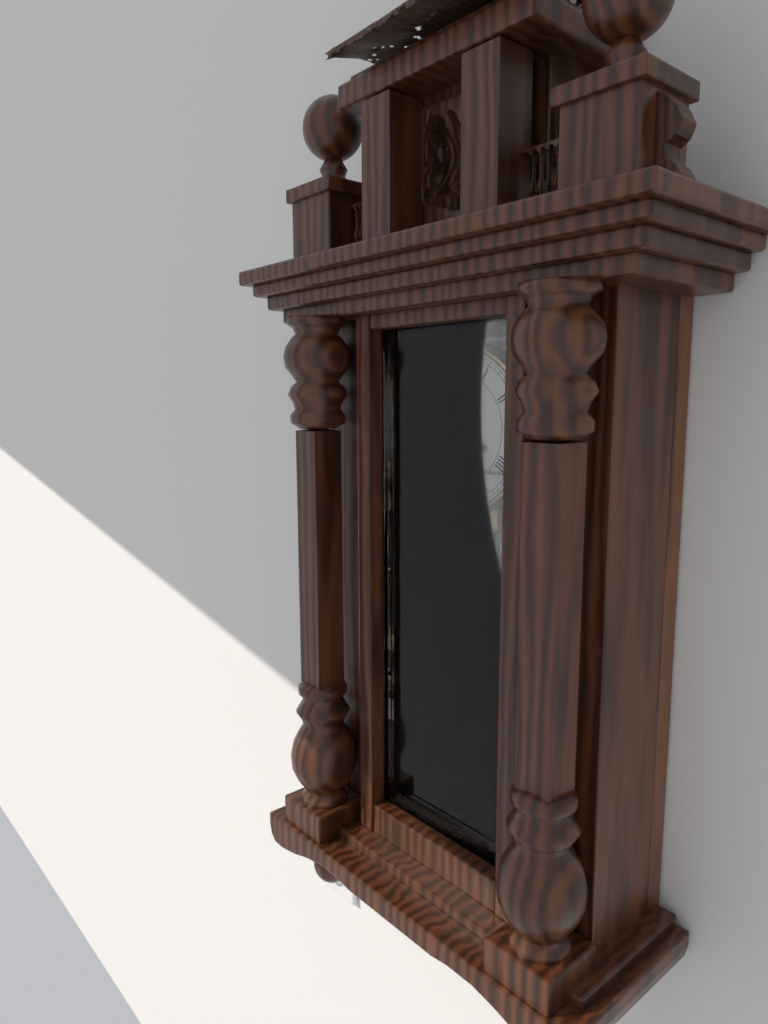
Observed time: 10:30
